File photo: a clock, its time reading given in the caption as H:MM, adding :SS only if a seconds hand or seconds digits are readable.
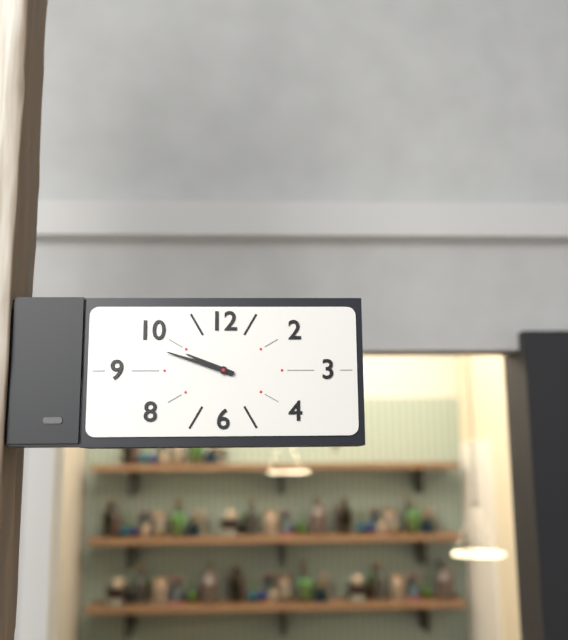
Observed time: 9:48
